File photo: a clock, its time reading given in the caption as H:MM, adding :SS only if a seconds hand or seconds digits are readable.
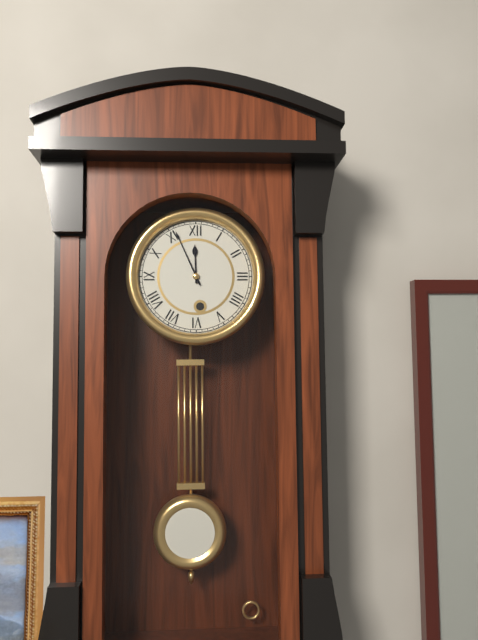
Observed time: 11:56
